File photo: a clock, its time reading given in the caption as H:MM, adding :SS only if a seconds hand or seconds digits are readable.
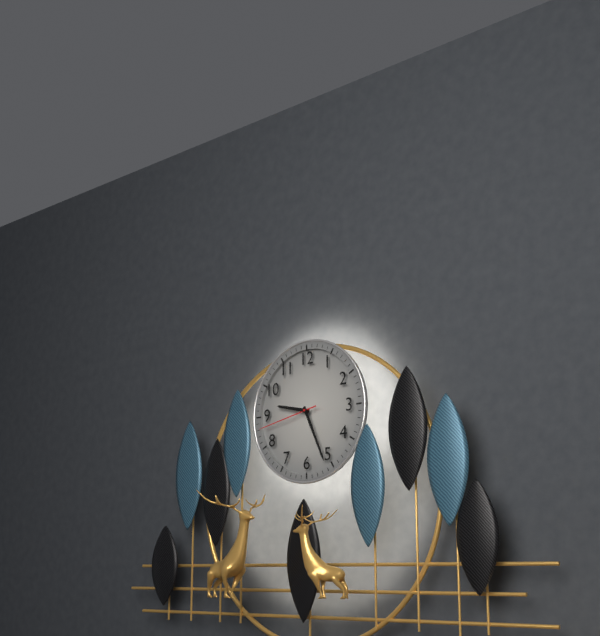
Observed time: 9:26:43
